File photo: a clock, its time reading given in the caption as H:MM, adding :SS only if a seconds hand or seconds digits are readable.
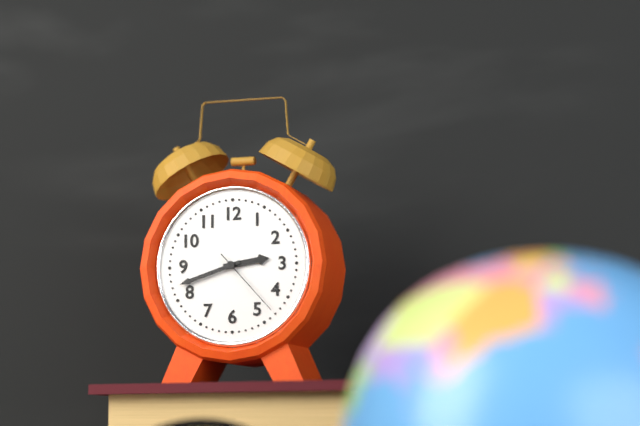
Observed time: 2:42:23
